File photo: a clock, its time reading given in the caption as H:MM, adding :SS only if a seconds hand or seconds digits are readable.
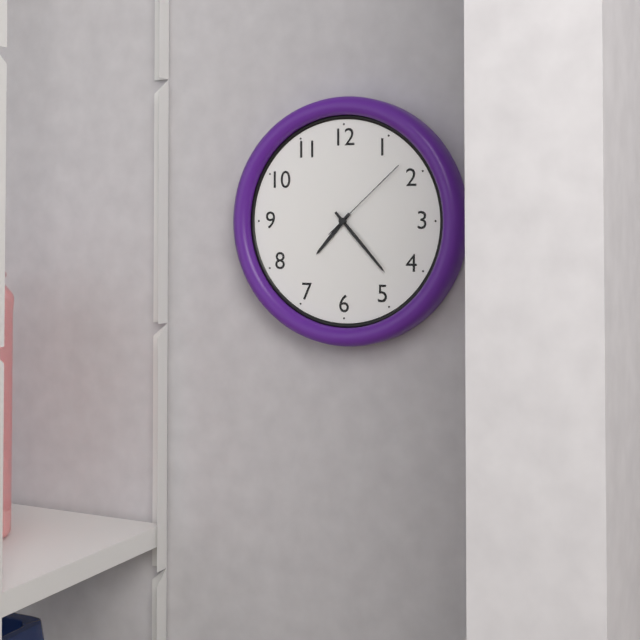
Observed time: 7:23:08
